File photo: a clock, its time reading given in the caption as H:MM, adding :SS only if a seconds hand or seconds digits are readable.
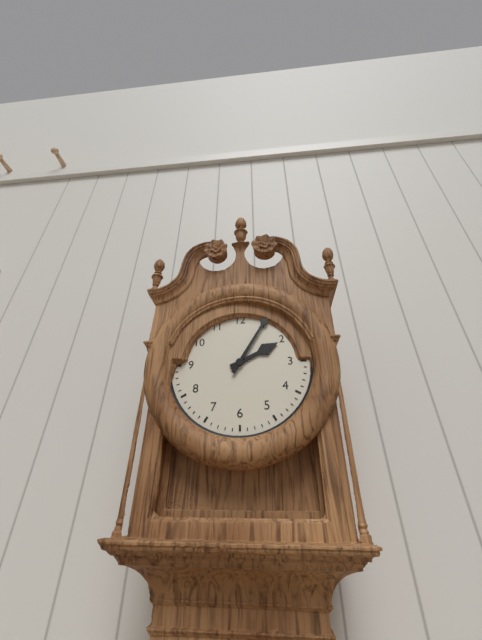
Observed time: 2:05
